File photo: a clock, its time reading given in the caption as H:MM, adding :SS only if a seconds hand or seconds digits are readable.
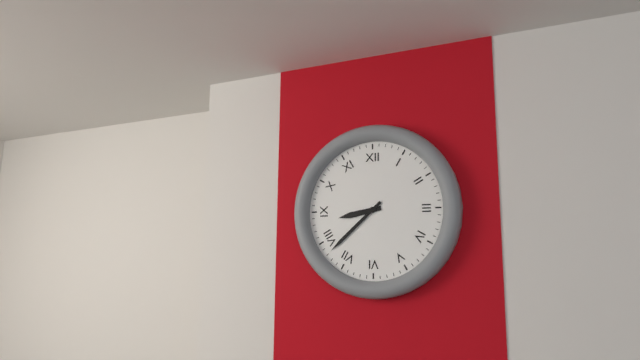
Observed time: 8:38
